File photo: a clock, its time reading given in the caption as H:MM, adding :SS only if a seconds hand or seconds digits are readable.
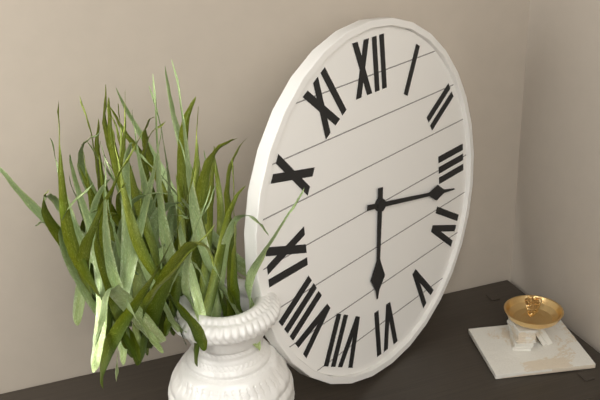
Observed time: 6:17
